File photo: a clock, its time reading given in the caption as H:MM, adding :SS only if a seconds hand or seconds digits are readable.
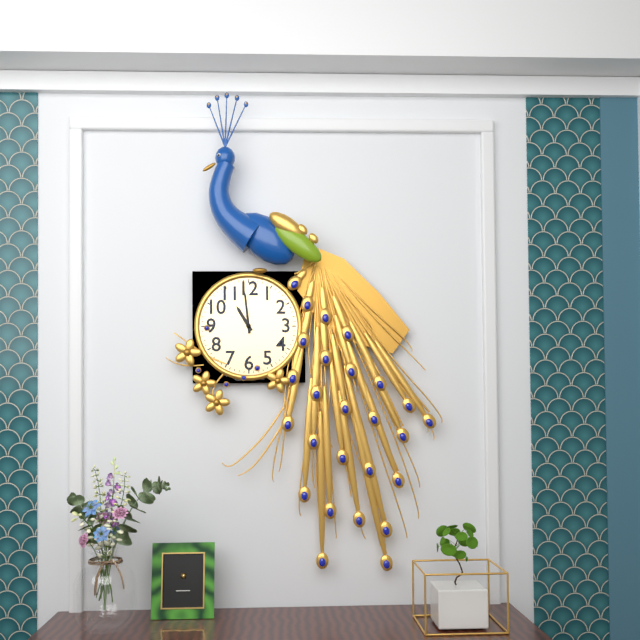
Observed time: 10:59
